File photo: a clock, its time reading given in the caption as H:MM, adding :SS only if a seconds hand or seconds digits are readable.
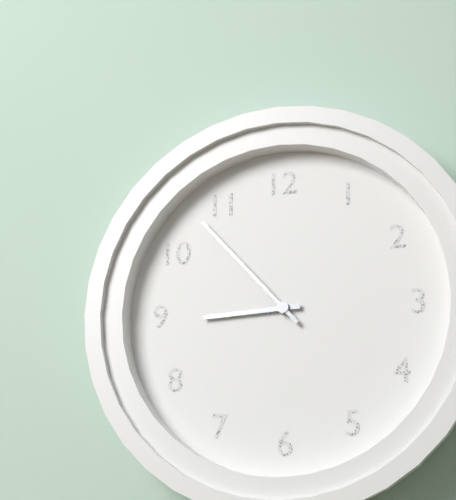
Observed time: 8:53
